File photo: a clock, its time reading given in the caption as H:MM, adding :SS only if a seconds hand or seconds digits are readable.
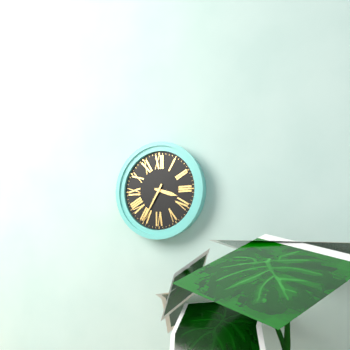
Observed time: 3:35
